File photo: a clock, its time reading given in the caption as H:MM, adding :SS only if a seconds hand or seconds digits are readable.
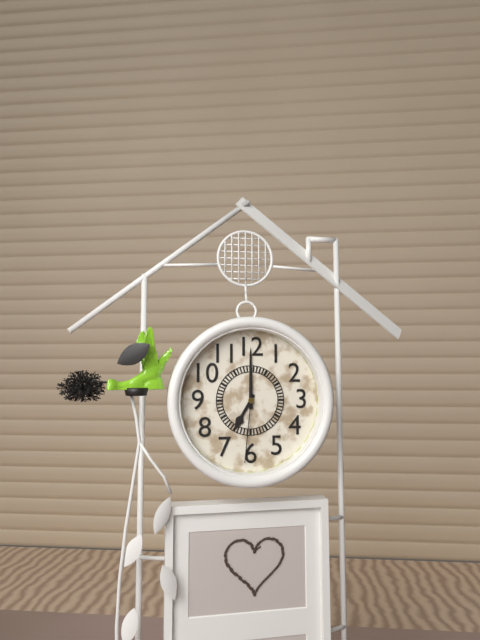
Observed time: 7:00:31
